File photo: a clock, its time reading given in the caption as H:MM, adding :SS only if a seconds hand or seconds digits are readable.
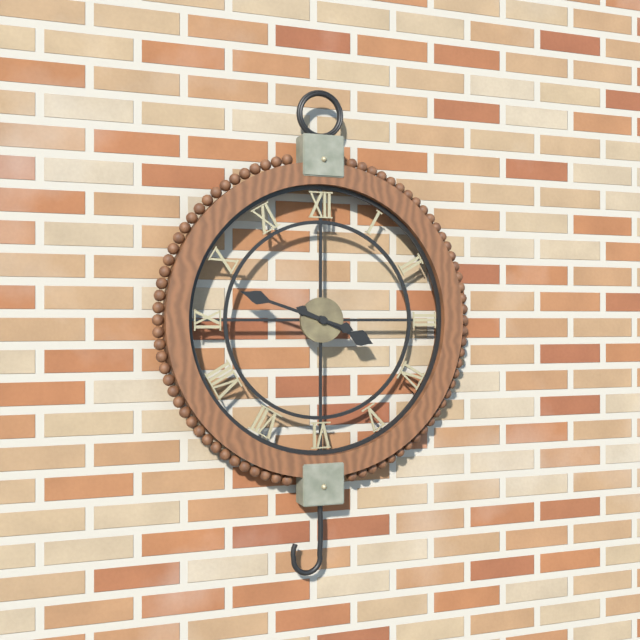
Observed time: 3:48
